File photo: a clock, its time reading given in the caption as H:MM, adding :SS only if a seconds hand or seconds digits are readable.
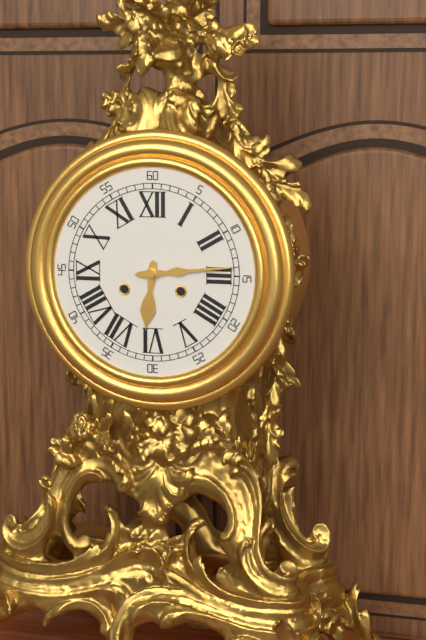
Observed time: 6:14
